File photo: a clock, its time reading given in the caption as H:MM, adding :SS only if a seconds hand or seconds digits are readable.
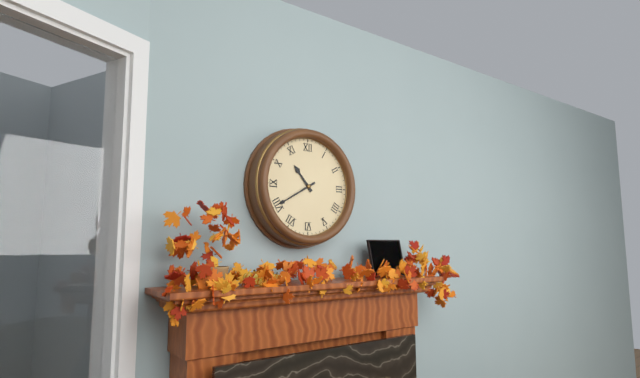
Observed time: 10:40
